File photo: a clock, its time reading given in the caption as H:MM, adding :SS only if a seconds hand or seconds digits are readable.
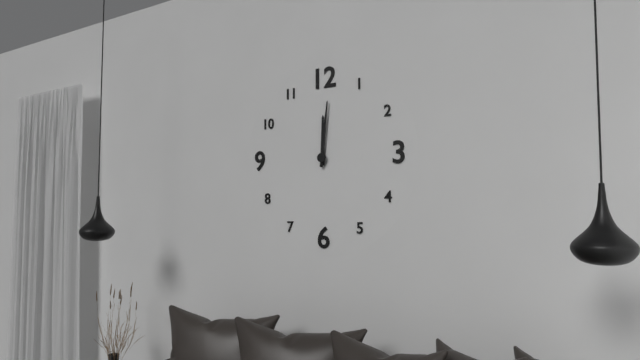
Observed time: 12:01
